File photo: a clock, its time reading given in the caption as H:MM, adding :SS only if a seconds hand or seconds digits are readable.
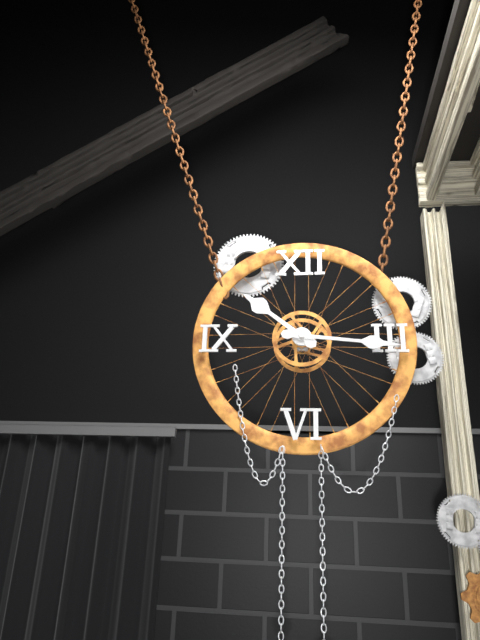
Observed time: 10:16
